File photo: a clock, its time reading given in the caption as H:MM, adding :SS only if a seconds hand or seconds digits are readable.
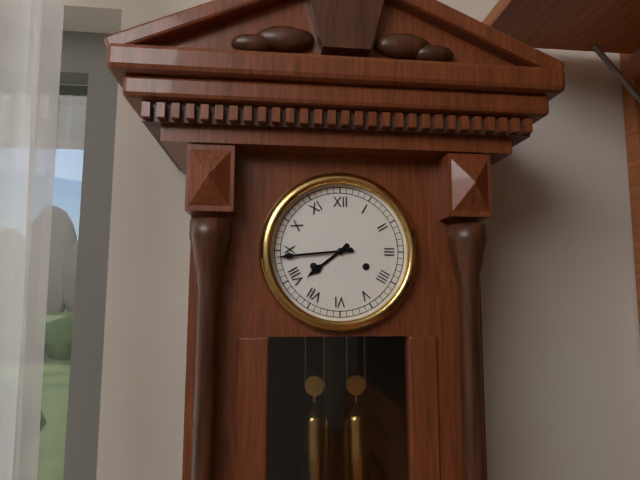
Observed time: 7:44
